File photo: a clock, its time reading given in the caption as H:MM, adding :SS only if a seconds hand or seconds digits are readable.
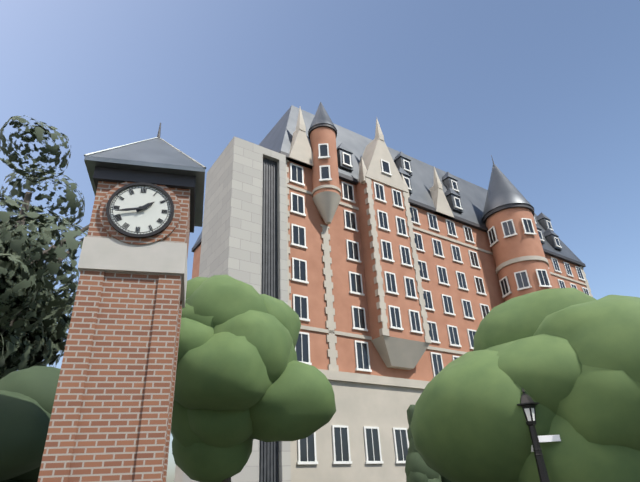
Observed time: 1:43
